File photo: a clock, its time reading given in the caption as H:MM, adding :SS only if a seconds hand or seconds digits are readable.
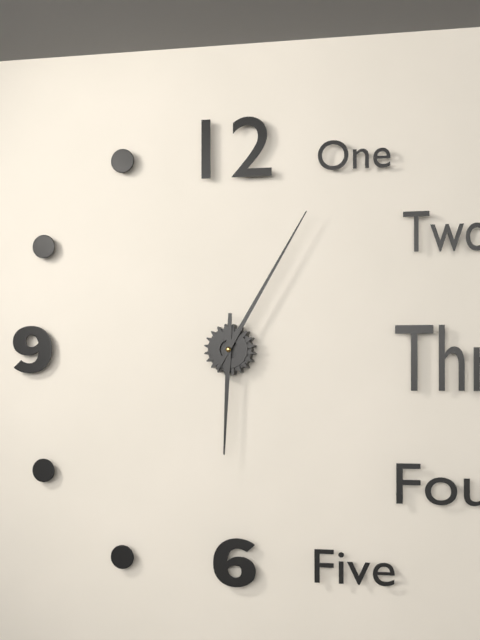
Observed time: 6:05
